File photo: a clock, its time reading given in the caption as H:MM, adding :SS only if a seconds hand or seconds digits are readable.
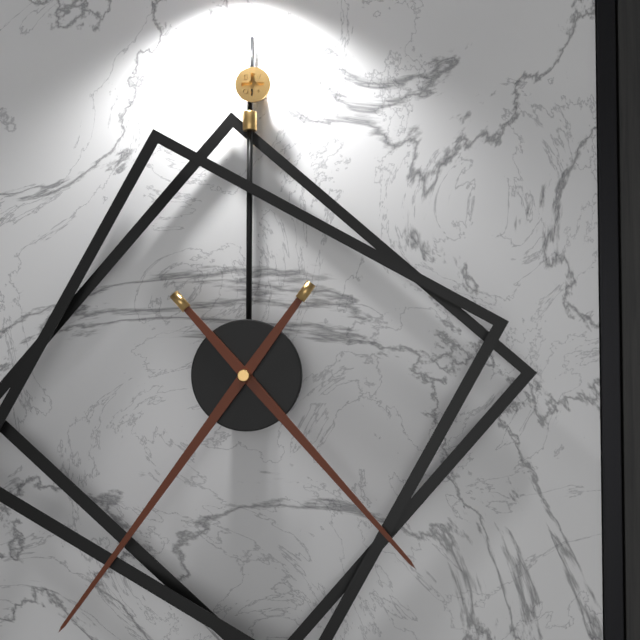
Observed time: 4:36
